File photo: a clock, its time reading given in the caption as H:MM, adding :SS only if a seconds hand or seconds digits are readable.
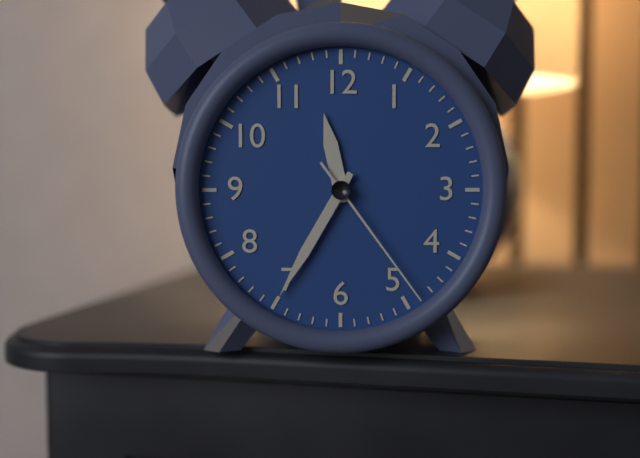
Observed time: 11:35:24
